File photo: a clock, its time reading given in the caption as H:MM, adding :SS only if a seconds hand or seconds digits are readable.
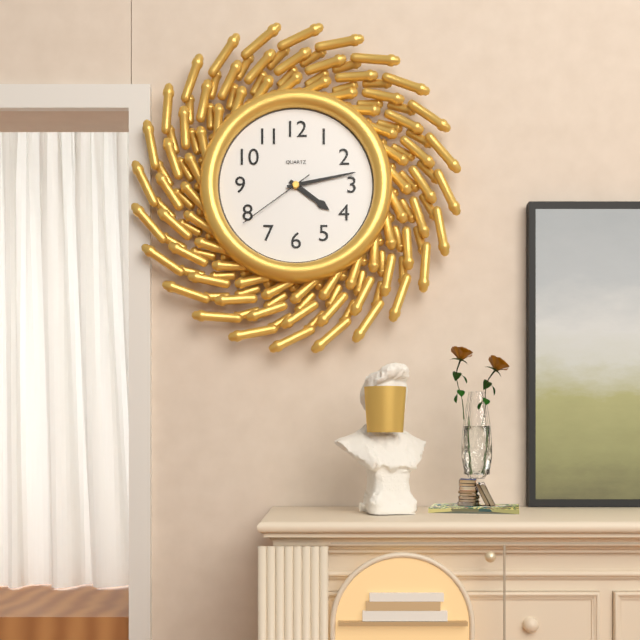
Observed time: 4:13:39
